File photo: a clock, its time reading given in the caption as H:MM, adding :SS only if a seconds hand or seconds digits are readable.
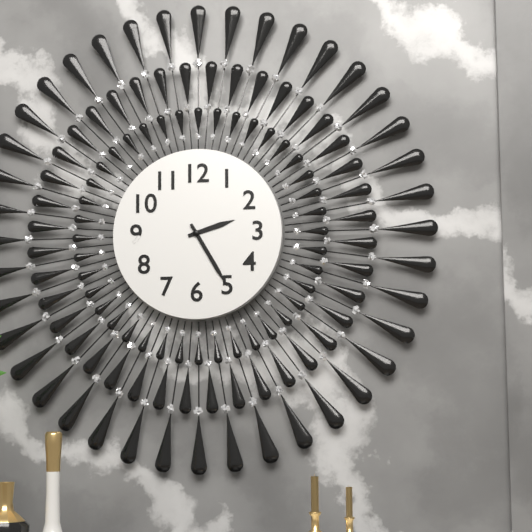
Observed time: 2:25
